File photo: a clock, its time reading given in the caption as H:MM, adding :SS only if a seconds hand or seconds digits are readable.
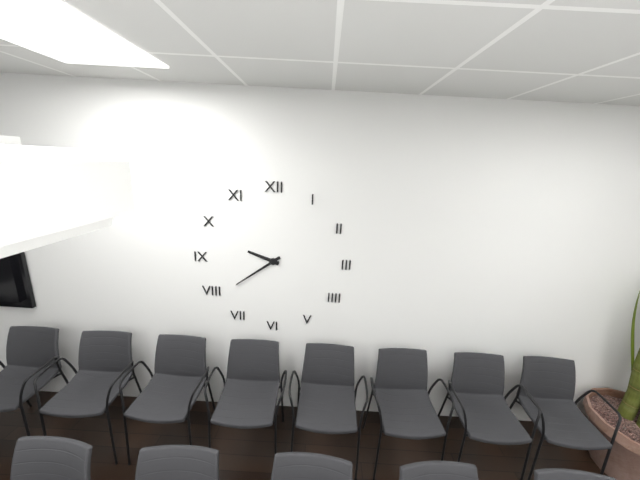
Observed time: 9:39
